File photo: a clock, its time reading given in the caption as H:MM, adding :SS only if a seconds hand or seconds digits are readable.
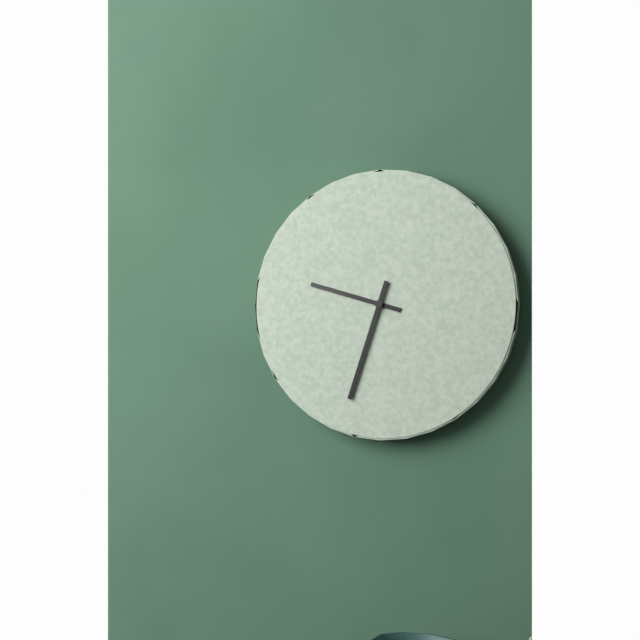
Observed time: 9:33
